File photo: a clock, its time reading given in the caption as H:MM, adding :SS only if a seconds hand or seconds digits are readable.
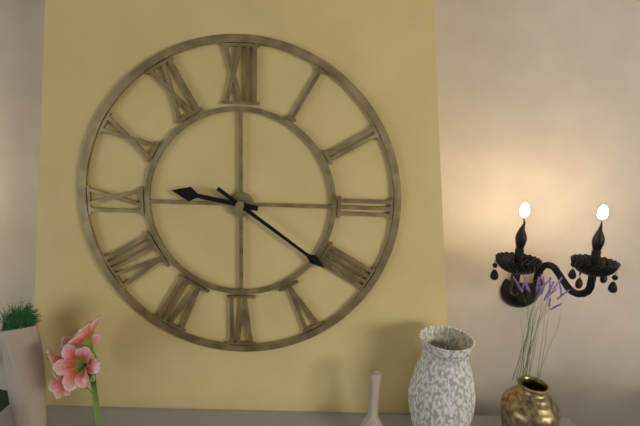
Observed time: 9:21
